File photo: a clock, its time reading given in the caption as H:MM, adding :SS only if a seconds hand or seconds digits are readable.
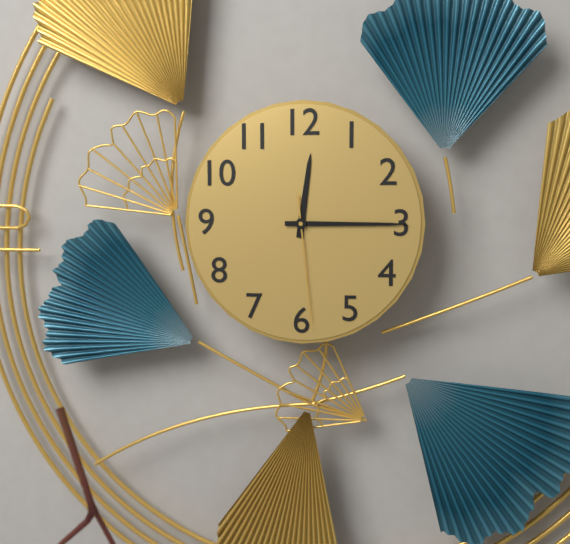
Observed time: 12:15:29
